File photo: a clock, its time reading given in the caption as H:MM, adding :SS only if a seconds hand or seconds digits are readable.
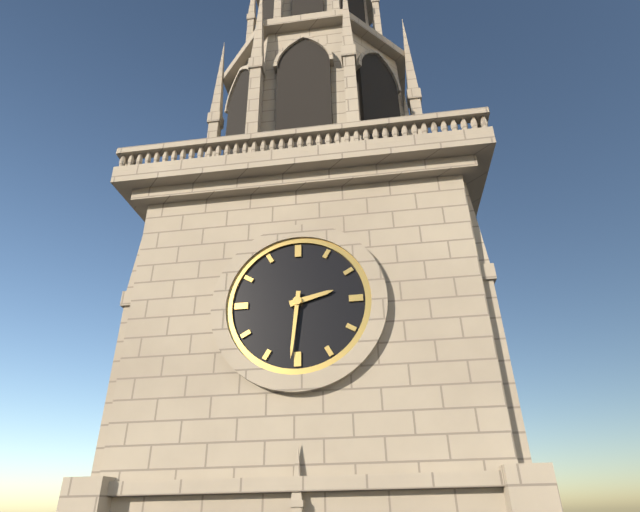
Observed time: 2:31
